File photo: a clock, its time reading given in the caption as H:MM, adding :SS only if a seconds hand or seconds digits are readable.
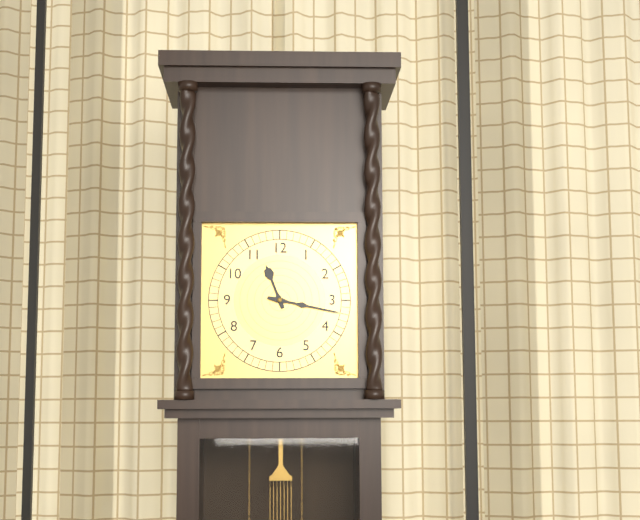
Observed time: 11:17
